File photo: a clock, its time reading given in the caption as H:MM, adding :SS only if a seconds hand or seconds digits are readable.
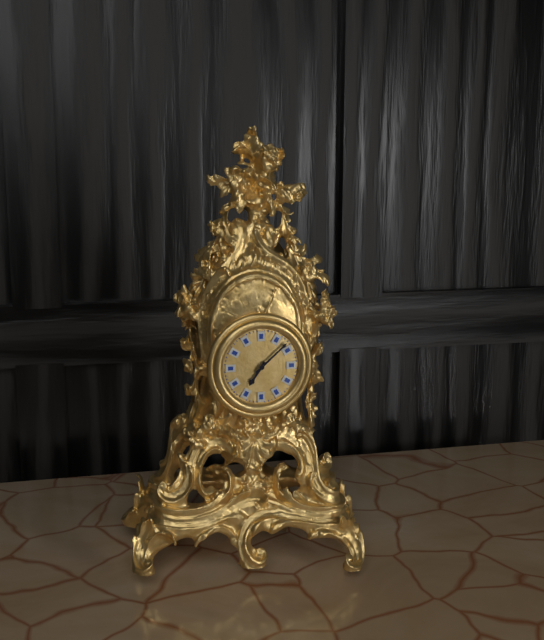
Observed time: 7:08
